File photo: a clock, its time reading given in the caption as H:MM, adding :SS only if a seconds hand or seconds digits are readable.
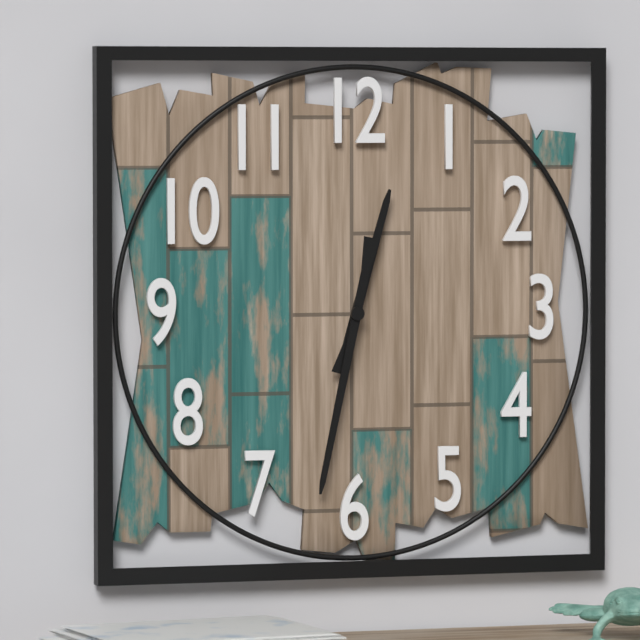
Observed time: 12:32
